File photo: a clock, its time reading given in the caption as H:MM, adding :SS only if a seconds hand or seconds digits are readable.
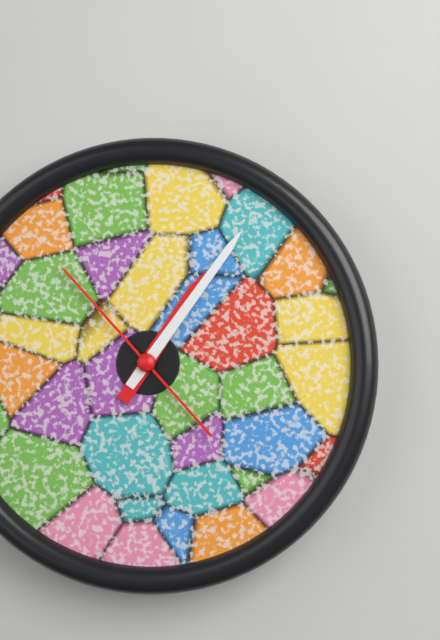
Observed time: 1:06:53
